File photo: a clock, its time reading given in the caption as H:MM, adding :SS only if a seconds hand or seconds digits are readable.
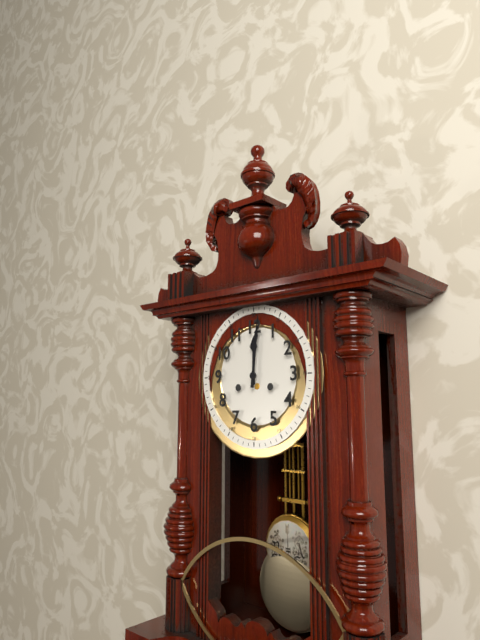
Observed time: 12:01
